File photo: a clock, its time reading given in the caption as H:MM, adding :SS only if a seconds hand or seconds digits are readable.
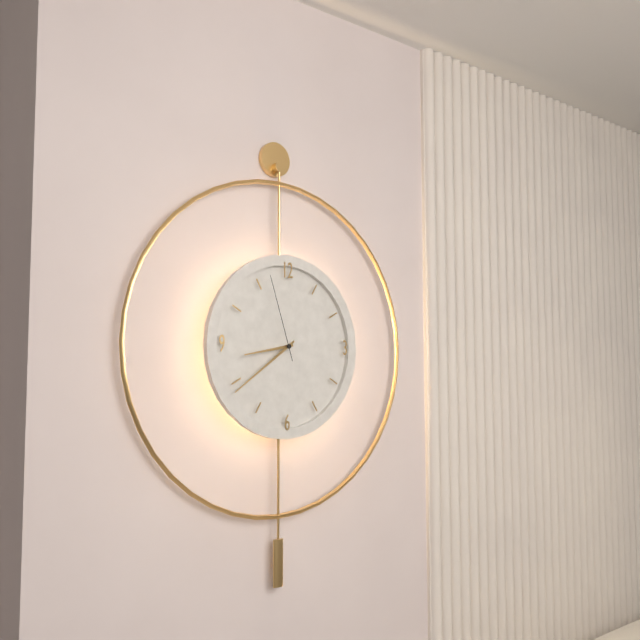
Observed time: 8:39:57
